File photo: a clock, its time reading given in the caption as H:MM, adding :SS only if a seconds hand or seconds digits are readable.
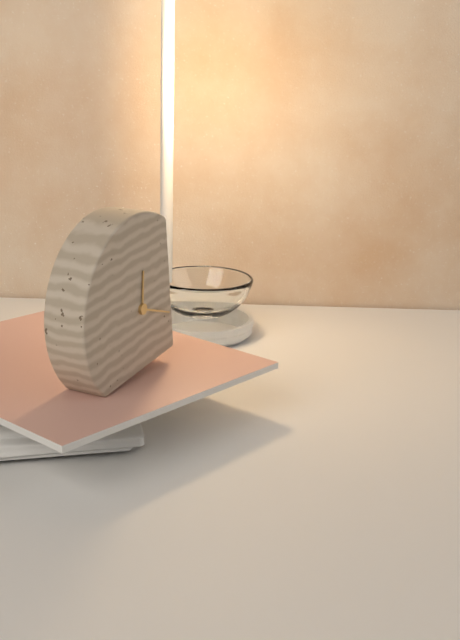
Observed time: 12:19
